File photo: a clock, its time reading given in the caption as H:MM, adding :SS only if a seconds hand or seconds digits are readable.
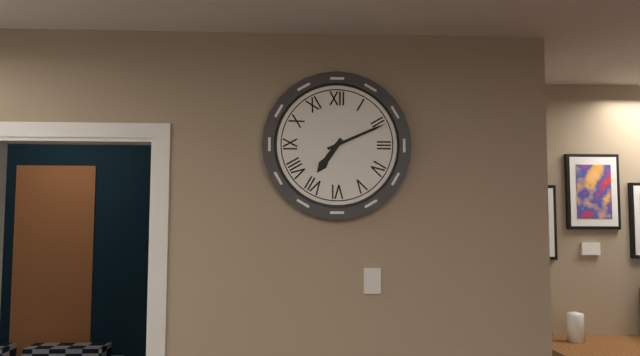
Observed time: 7:11
